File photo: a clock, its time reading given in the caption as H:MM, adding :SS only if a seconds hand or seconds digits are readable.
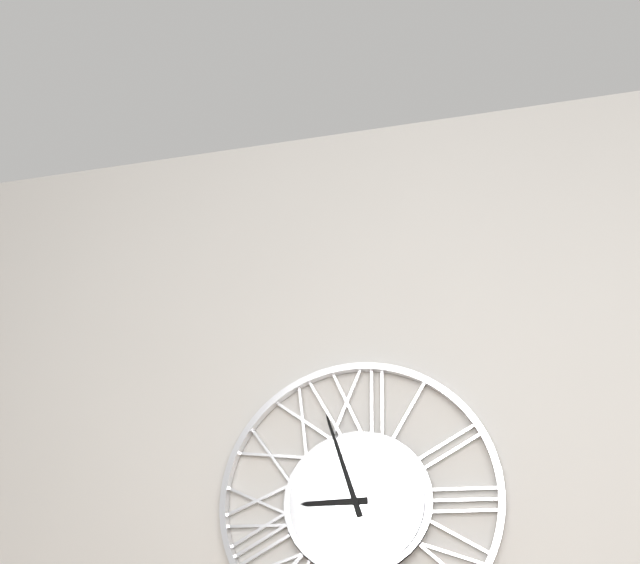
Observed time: 8:57
